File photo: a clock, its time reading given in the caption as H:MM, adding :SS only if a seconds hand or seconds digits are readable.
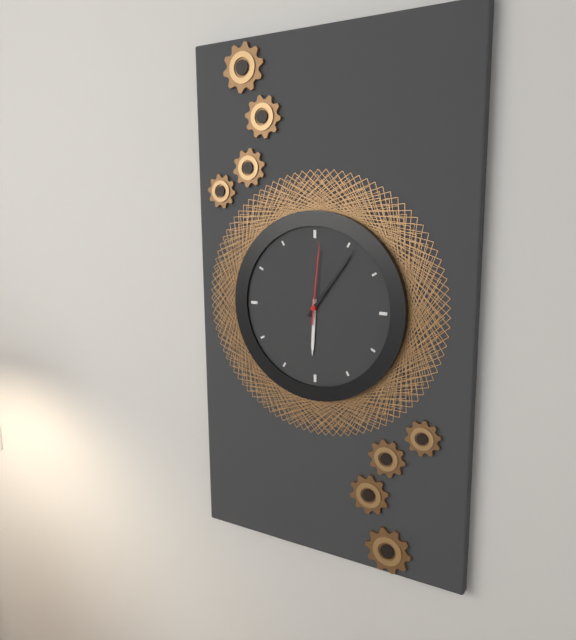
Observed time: 6:06:01
